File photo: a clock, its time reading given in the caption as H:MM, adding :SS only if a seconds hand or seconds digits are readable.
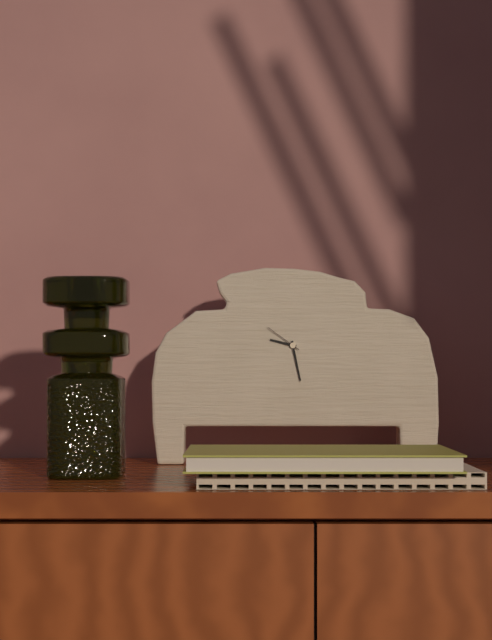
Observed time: 9:28
